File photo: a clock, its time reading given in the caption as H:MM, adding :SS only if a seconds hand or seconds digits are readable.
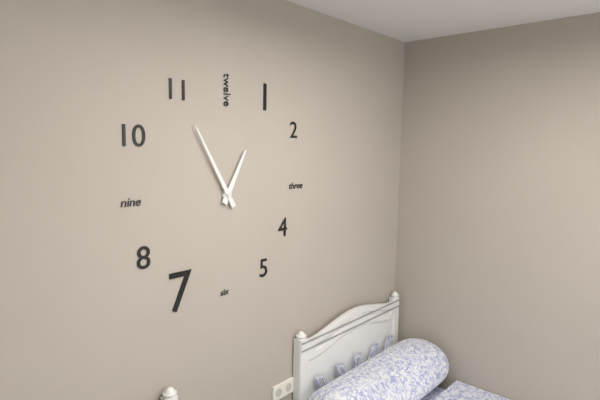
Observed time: 12:55
